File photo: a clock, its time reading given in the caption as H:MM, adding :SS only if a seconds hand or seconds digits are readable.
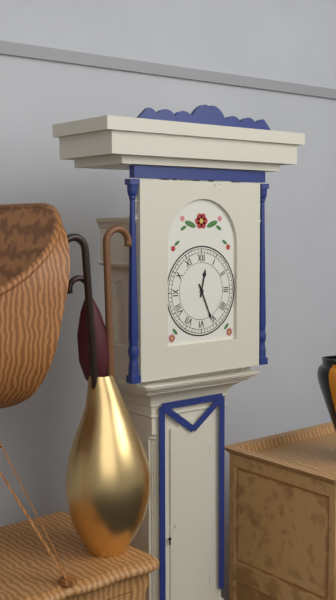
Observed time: 12:26
